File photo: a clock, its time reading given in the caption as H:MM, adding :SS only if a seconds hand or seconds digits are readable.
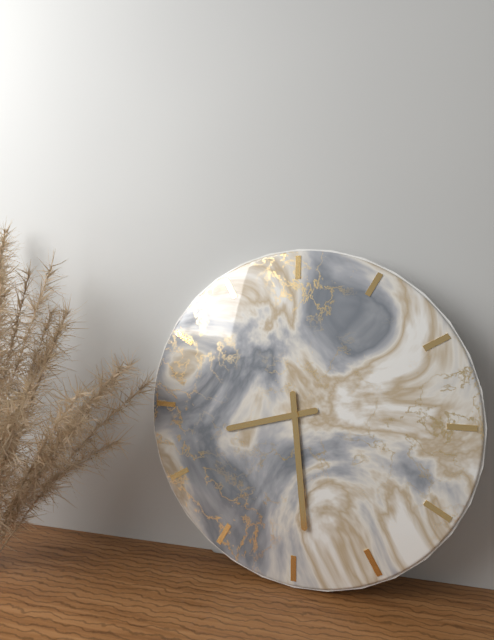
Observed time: 8:29
